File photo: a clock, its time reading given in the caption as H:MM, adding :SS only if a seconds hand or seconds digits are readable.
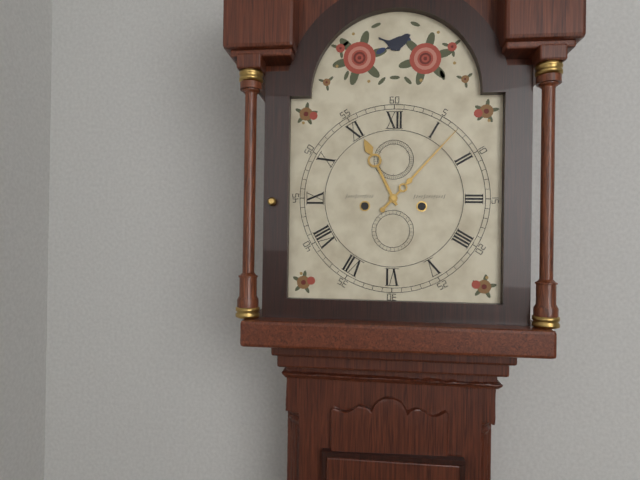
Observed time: 11:07
